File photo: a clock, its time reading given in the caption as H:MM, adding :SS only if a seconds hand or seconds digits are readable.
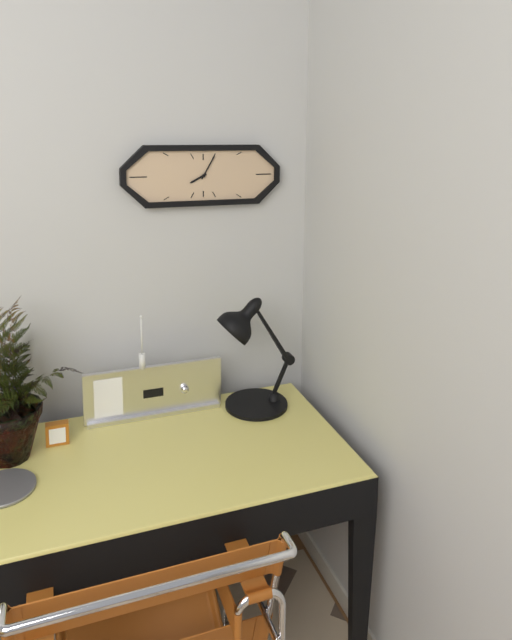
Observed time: 8:05
